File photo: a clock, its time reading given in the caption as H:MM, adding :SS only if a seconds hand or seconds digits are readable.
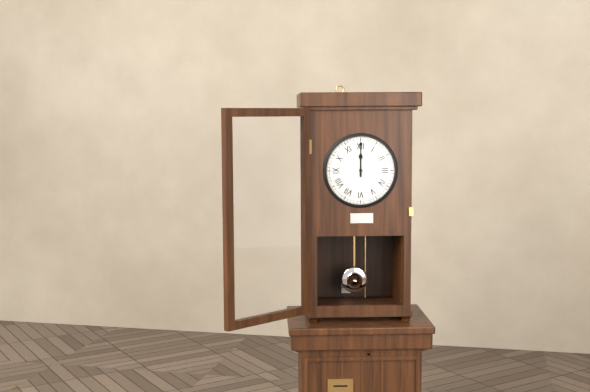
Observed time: 12:00
